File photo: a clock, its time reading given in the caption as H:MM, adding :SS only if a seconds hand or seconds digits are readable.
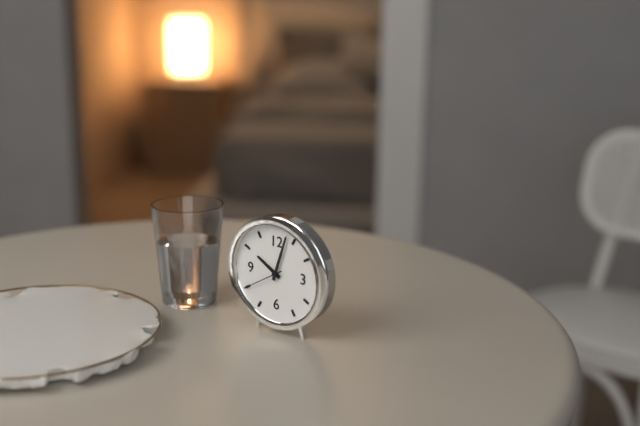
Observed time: 10:03
